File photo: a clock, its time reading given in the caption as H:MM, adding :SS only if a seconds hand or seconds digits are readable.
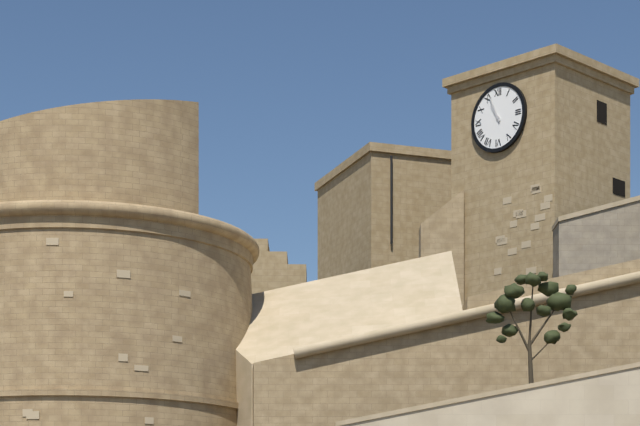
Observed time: 10:56
